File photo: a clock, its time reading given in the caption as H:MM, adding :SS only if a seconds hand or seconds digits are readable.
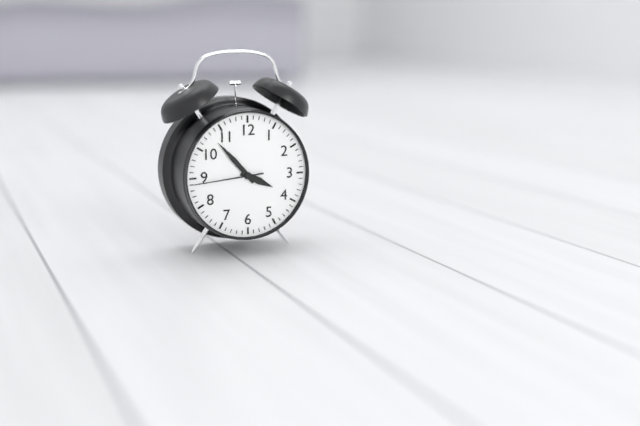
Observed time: 3:53:44
